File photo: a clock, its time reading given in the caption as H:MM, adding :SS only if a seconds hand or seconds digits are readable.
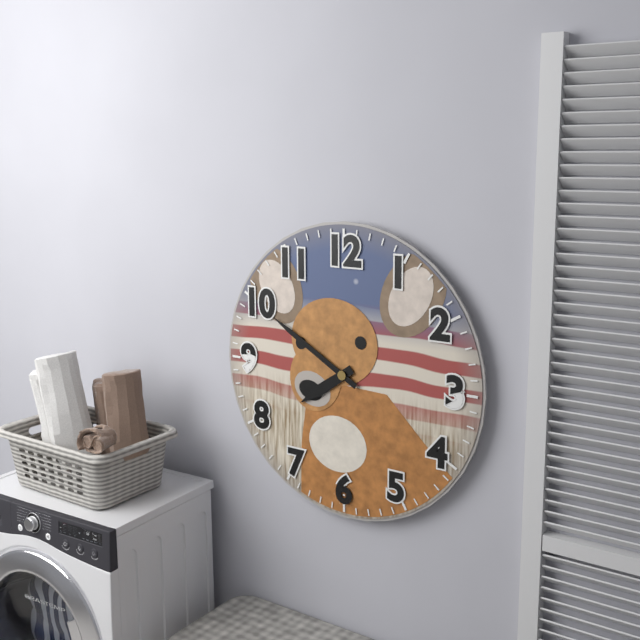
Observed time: 7:50
